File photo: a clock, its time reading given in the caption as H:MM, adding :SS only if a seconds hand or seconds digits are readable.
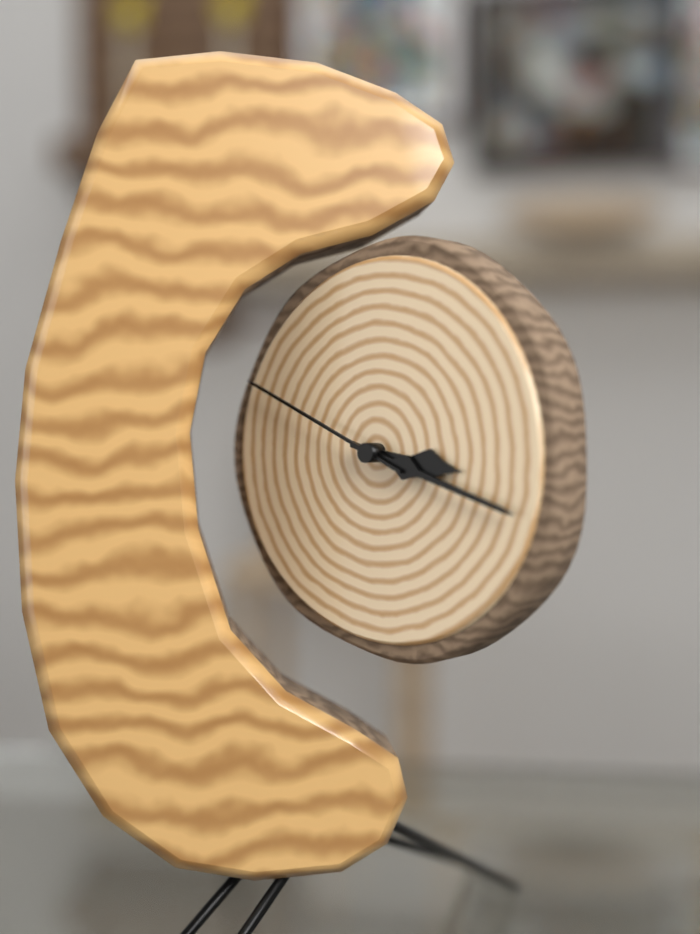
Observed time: 3:18:49
